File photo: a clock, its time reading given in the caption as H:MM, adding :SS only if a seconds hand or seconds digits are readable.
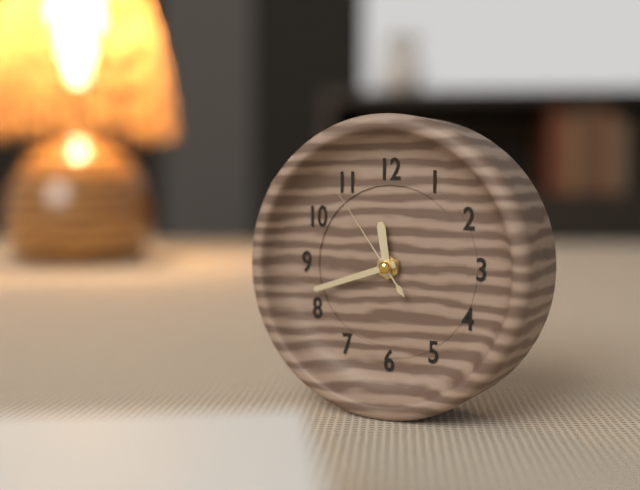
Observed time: 11:42:54
